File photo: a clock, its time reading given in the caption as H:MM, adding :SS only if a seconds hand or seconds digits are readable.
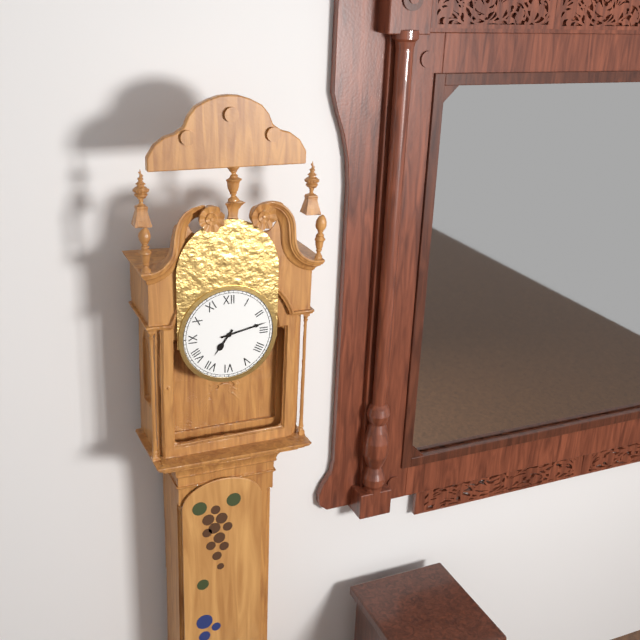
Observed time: 7:13
